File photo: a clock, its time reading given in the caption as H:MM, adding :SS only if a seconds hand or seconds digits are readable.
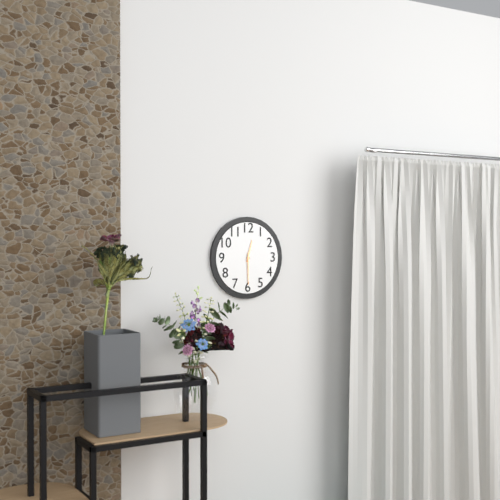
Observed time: 12:30
